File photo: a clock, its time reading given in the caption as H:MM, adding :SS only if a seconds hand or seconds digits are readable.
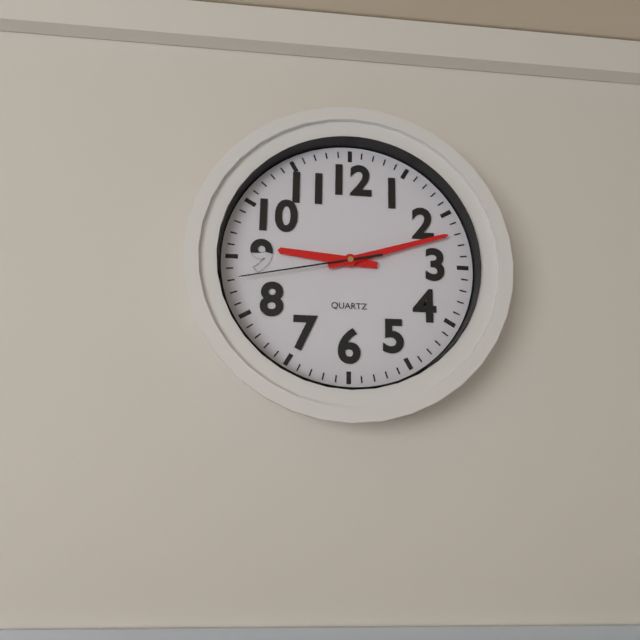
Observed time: 9:12:43
